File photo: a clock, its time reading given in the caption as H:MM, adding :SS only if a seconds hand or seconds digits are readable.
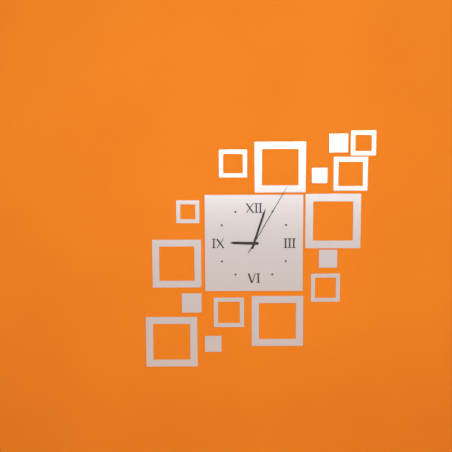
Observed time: 9:03:05
